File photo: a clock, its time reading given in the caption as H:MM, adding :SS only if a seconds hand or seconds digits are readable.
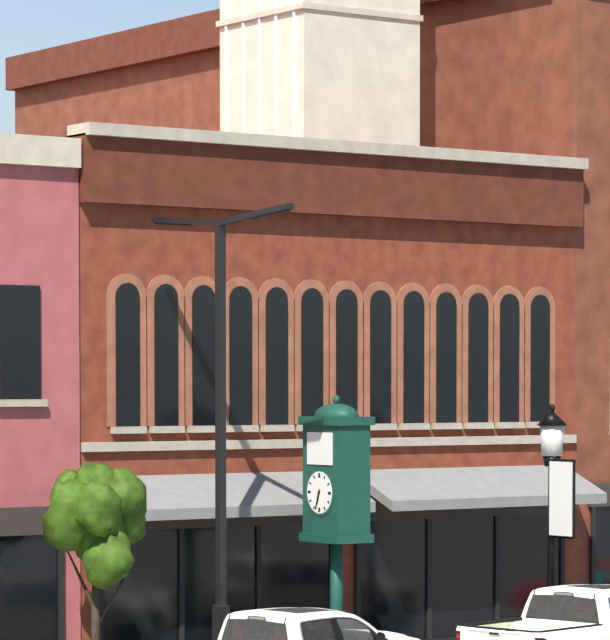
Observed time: 6:33
